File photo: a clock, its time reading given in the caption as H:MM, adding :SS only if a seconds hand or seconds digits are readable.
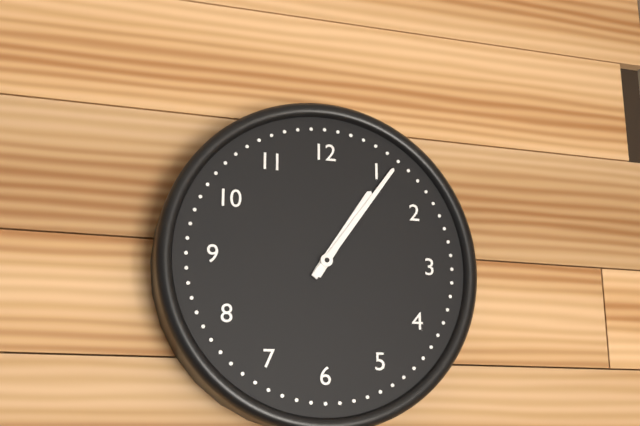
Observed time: 1:06
